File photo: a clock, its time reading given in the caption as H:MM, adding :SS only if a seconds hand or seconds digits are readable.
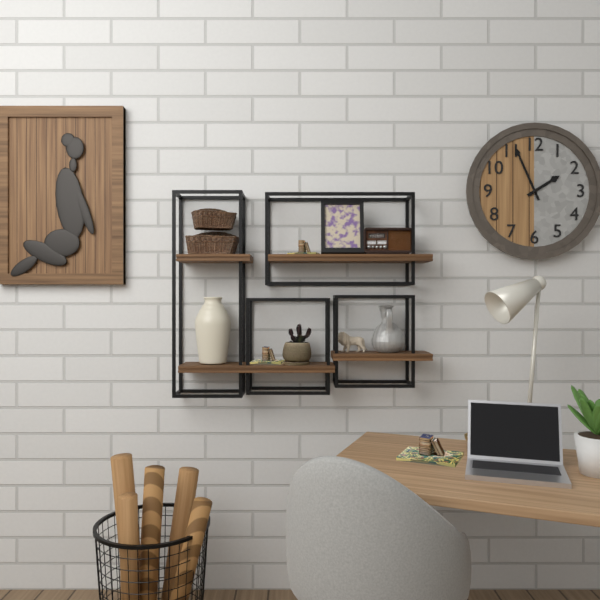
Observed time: 1:56
